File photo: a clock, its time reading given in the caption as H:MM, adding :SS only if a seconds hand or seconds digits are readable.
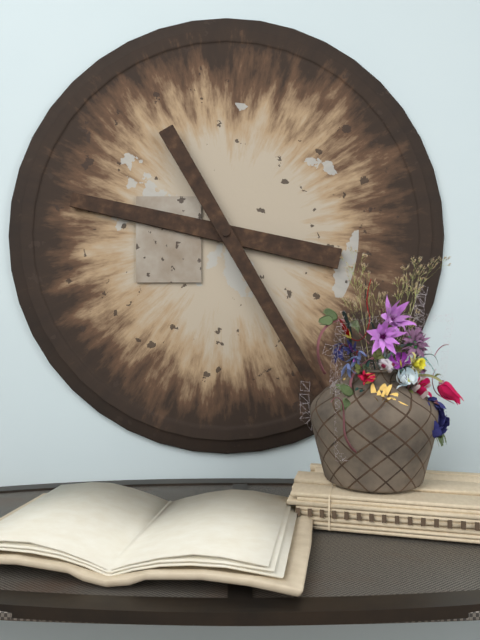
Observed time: 9:25
